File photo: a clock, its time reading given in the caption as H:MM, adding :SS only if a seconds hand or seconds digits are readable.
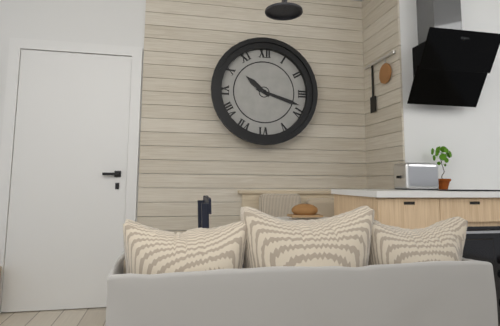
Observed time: 10:18
